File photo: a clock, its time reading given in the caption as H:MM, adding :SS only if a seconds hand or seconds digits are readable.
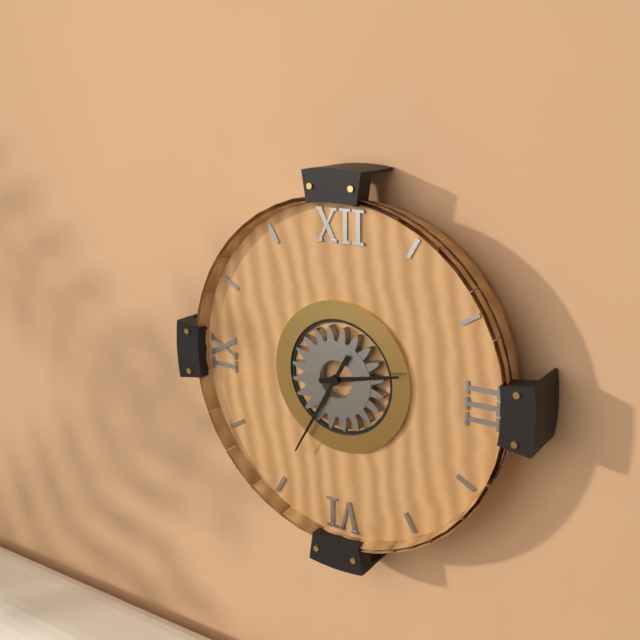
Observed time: 2:35
